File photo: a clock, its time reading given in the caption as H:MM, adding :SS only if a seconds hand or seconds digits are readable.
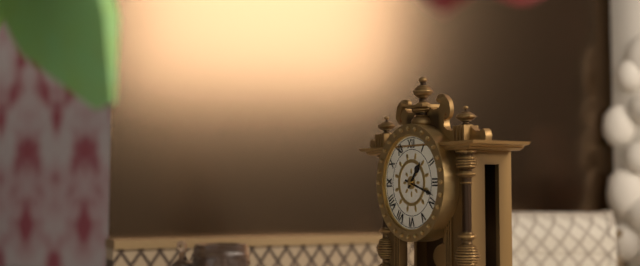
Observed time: 1:18
